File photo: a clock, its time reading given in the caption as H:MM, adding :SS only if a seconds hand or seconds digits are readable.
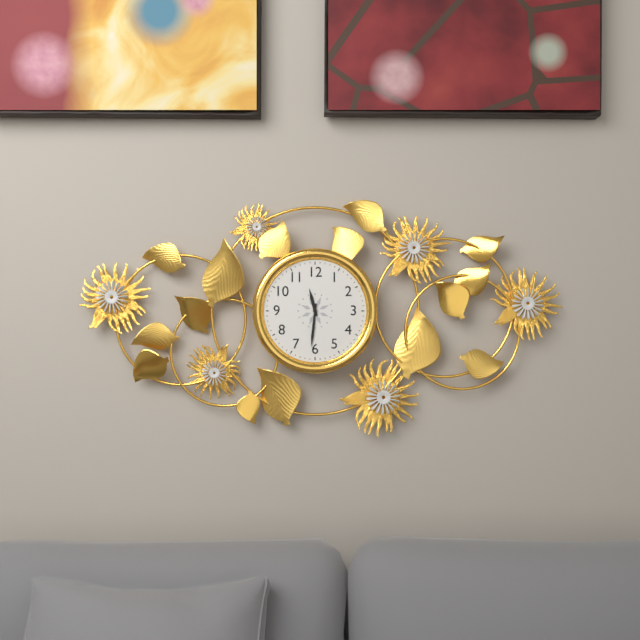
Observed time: 11:31
